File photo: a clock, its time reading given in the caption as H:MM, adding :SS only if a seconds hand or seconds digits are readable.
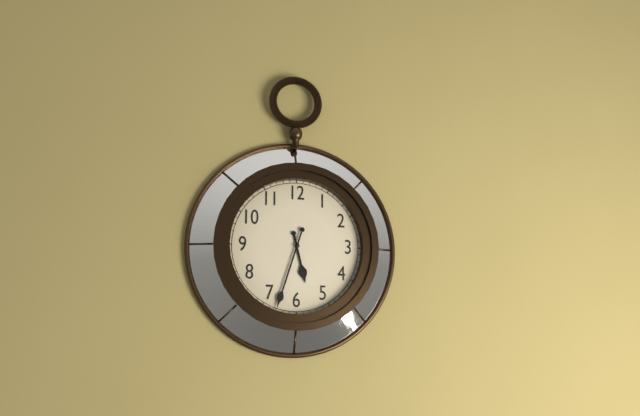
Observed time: 5:33
